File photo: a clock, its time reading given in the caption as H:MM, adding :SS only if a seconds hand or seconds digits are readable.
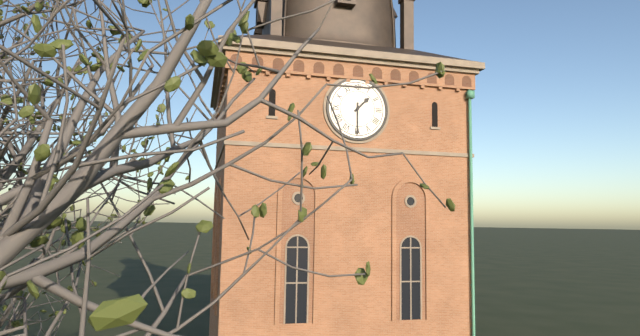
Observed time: 1:30
